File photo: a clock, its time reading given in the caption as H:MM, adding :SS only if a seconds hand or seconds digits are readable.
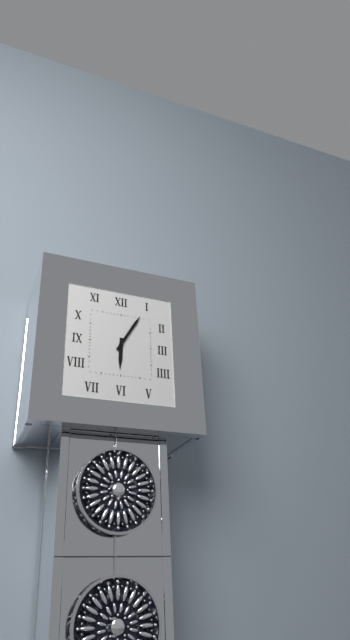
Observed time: 6:05
